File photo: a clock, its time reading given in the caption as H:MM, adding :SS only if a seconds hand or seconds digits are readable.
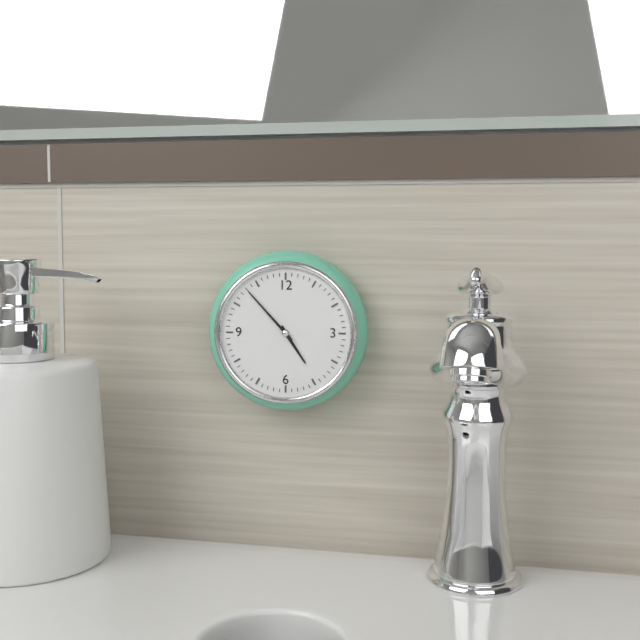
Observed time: 4:53
